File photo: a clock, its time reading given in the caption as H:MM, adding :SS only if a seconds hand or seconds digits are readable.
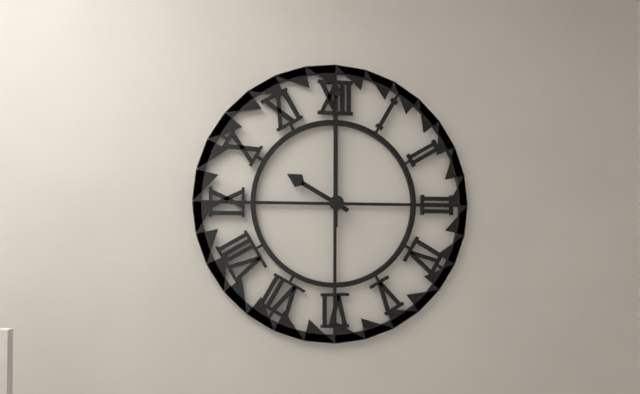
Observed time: 10:00
